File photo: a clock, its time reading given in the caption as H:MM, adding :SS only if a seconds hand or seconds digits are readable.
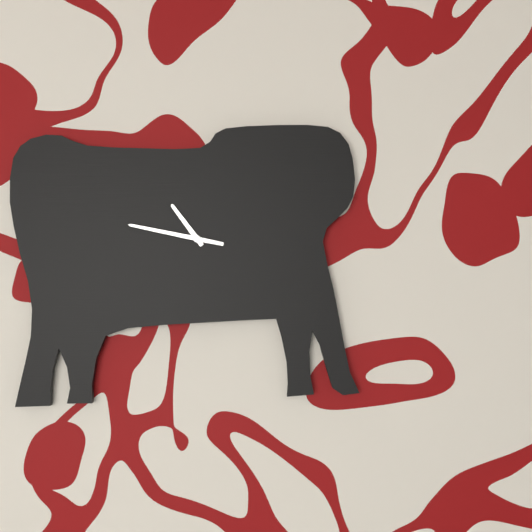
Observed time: 10:47
